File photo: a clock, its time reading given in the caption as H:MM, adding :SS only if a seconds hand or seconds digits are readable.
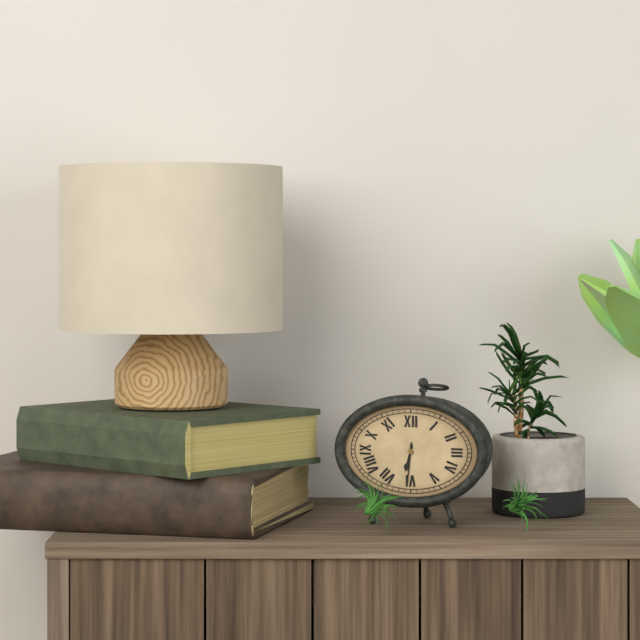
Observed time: 6:31
